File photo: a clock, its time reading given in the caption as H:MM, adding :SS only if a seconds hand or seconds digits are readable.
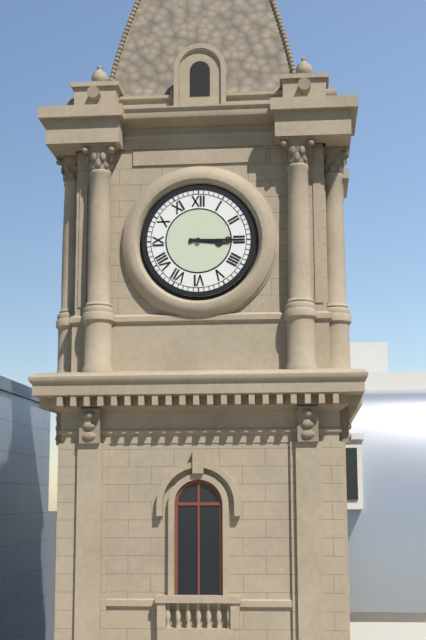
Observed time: 3:15
